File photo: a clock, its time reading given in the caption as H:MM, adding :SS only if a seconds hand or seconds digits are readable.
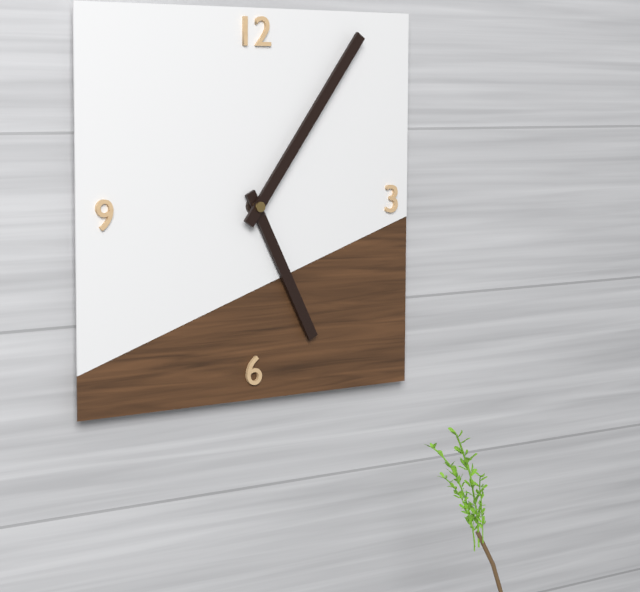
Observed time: 5:06
